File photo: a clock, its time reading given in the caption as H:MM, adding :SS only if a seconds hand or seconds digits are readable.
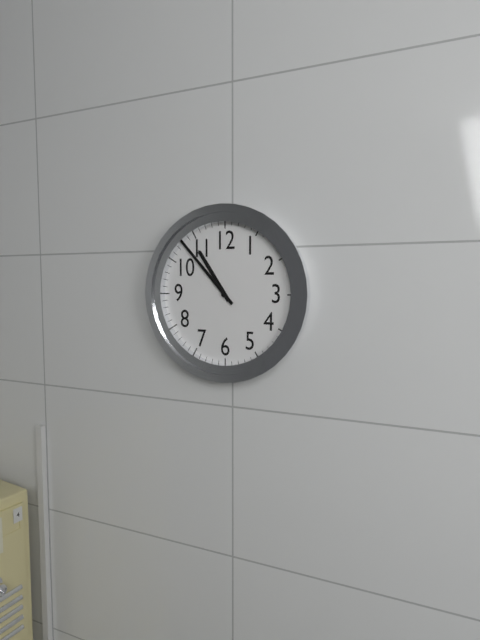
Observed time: 10:53
